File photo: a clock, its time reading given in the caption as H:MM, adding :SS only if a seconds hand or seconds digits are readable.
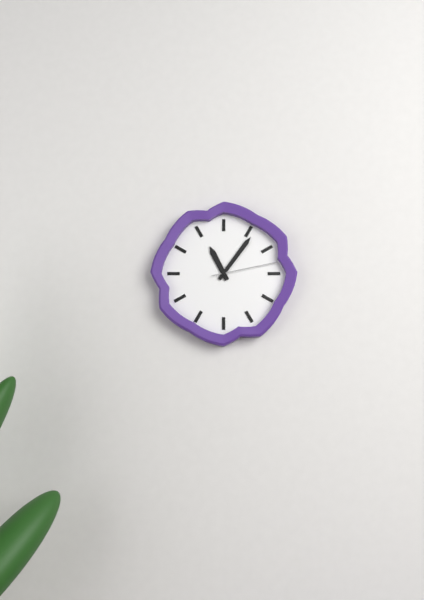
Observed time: 11:06:13
